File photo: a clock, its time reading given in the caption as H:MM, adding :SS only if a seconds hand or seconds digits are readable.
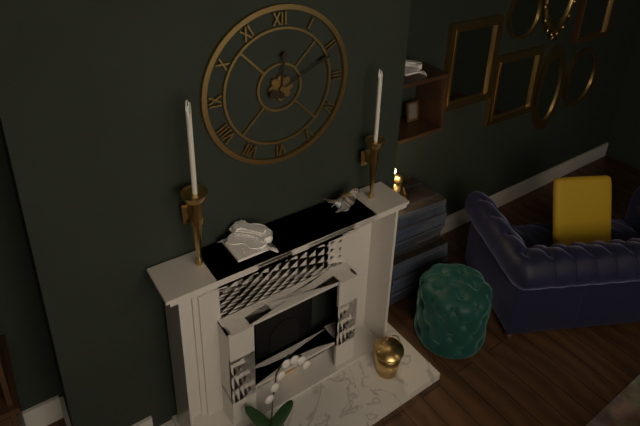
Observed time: 12:11
